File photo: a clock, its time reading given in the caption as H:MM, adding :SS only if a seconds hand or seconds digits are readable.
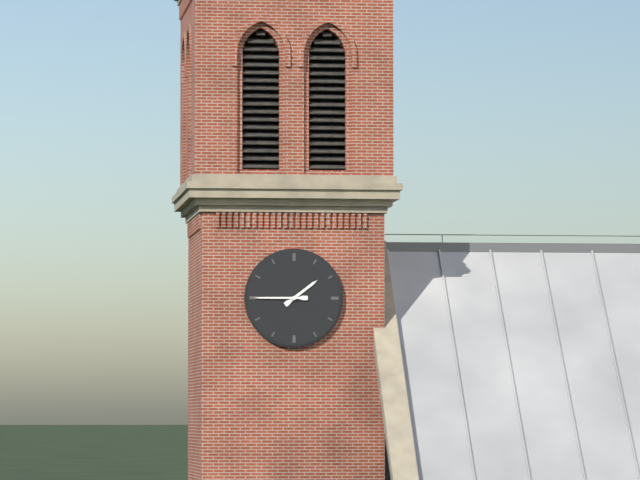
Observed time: 1:45
